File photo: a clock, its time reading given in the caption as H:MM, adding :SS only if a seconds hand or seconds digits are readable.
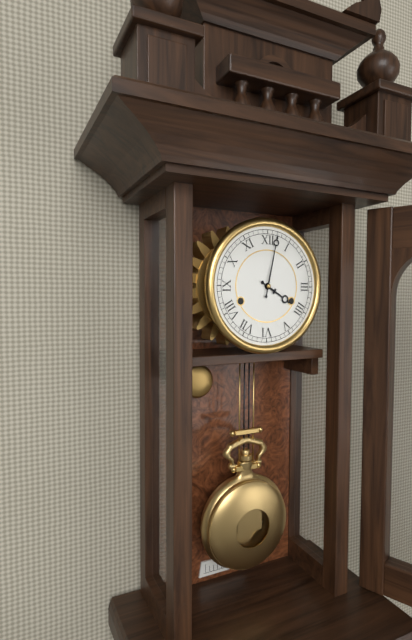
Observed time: 4:02
